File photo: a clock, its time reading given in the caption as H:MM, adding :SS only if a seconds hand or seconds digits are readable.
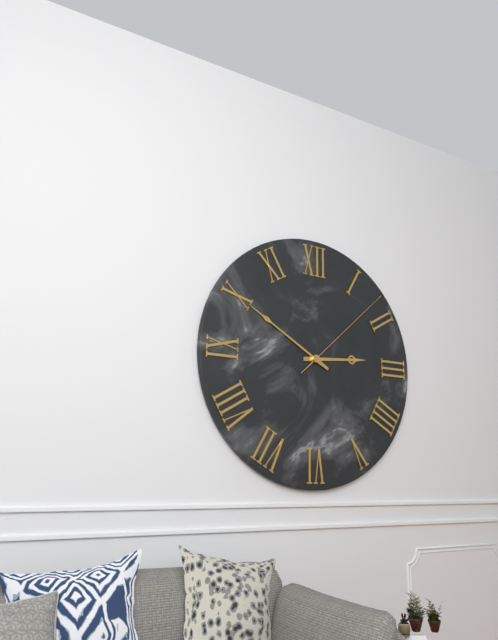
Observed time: 2:50:08
